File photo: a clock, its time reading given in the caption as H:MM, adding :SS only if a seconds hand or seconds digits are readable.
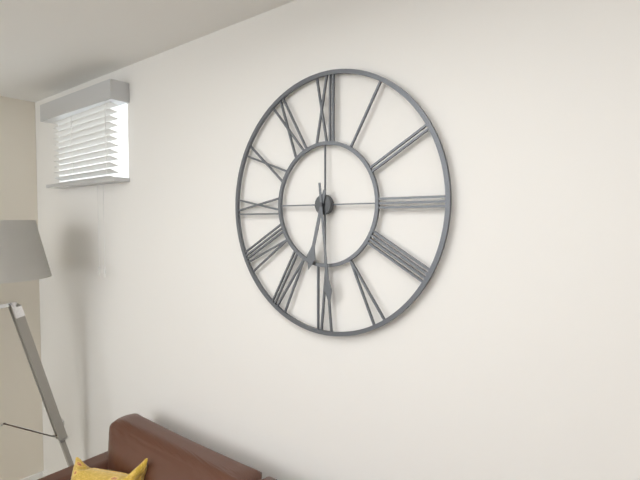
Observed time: 6:29
